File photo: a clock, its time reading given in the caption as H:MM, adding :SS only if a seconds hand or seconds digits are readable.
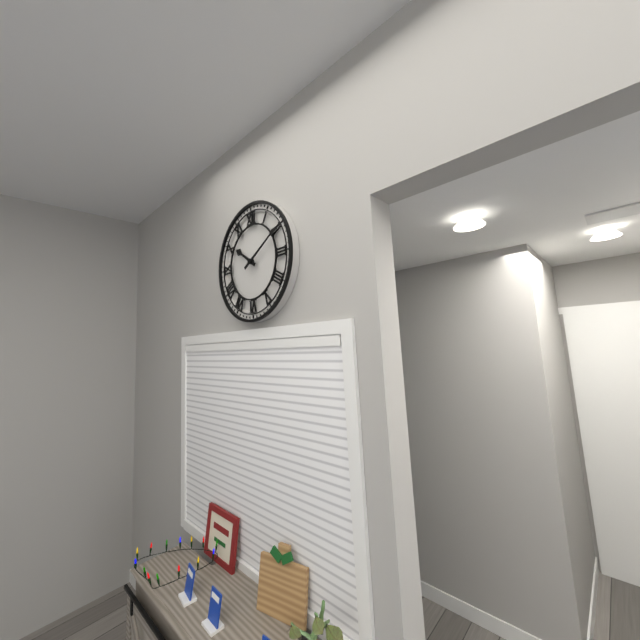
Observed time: 10:10
